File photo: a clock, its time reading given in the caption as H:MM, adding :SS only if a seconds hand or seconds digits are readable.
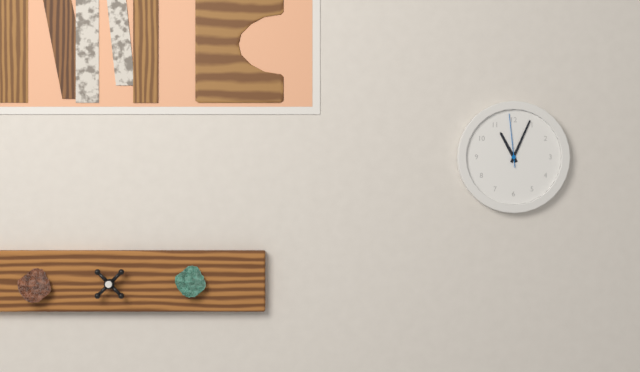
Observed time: 11:04:59
